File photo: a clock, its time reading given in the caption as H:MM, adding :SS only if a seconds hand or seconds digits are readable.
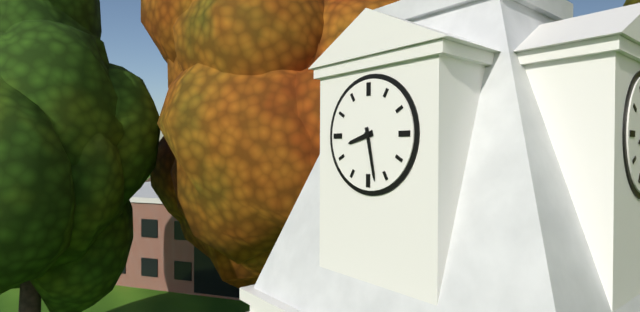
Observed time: 8:28
